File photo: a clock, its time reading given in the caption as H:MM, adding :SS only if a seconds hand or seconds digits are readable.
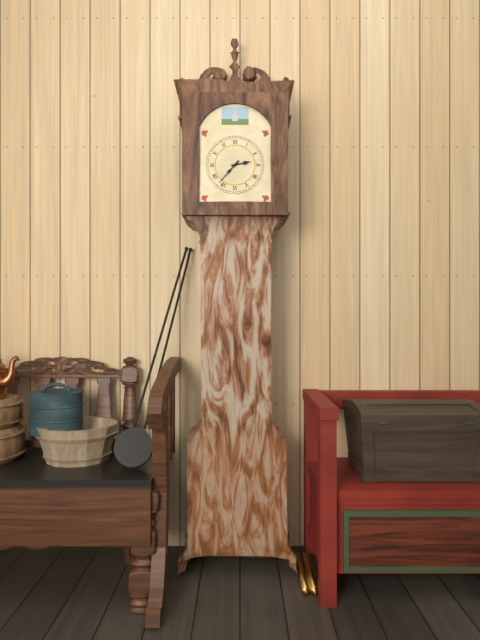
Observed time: 2:37
